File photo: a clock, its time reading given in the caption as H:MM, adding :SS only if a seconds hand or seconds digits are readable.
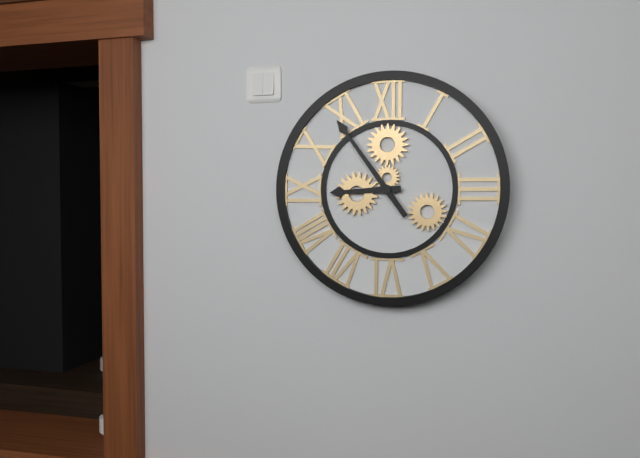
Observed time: 8:54
